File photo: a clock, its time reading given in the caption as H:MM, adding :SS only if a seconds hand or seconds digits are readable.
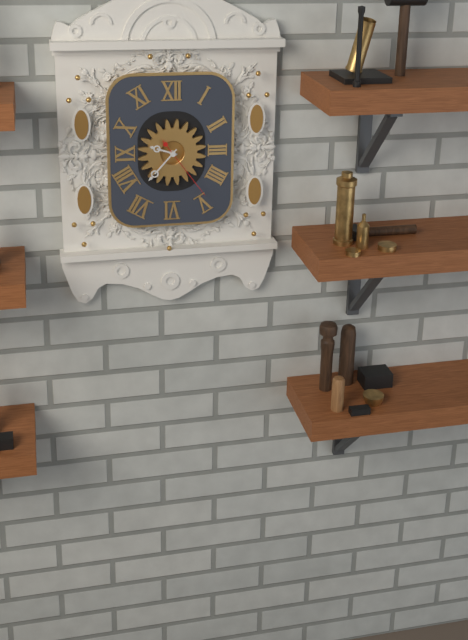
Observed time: 9:37:24
